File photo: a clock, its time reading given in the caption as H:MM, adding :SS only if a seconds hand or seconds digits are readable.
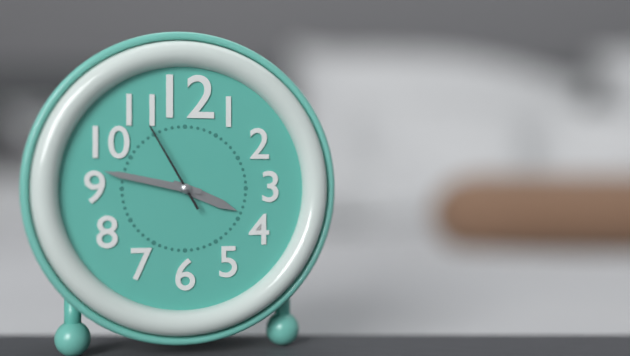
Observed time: 3:47:55
